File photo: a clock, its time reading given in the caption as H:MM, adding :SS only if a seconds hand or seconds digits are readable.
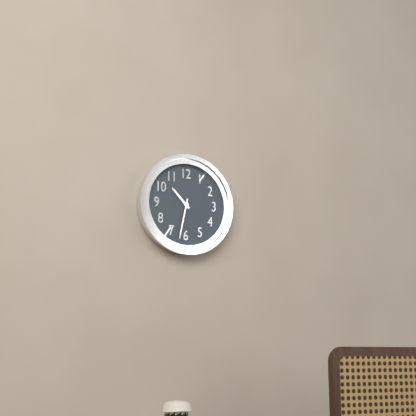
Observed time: 10:32
